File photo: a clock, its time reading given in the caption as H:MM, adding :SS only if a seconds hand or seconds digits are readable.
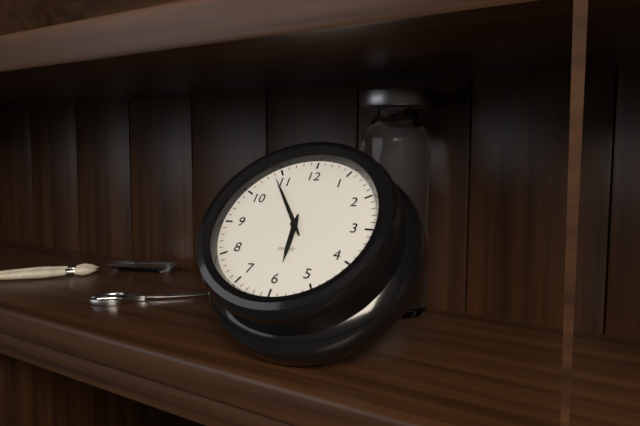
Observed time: 5:54
